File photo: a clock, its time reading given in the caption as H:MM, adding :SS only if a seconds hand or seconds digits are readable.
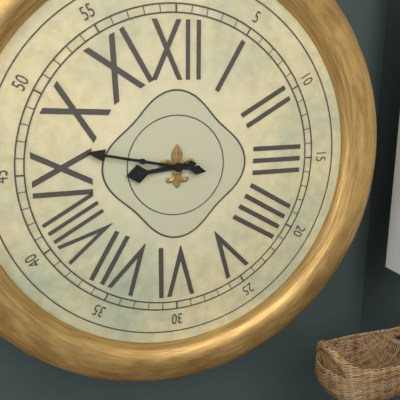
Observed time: 8:47
